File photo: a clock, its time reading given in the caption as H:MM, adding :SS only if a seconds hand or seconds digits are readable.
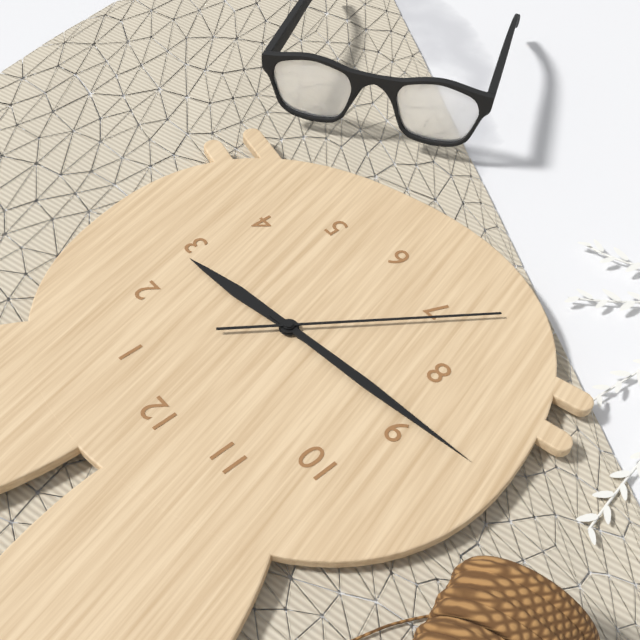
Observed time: 2:44:36
